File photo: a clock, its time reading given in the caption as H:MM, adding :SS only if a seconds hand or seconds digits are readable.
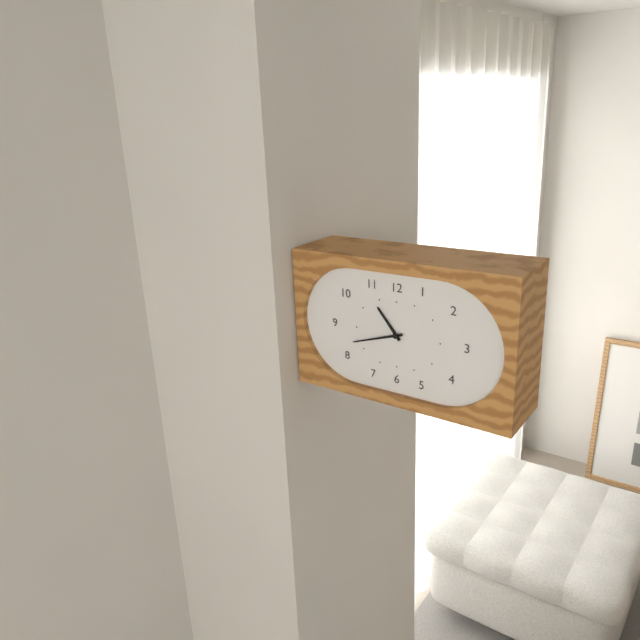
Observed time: 10:42
